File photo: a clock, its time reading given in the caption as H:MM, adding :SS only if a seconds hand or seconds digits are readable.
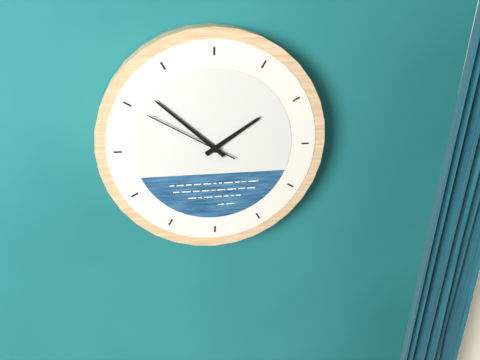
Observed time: 1:52:50
